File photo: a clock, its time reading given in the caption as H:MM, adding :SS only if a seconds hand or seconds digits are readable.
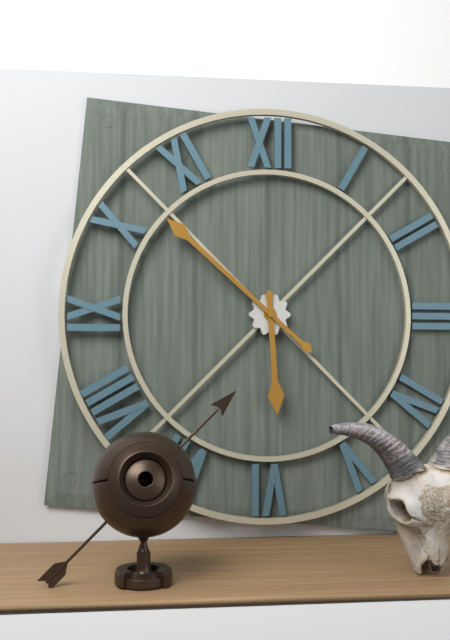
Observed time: 5:52
